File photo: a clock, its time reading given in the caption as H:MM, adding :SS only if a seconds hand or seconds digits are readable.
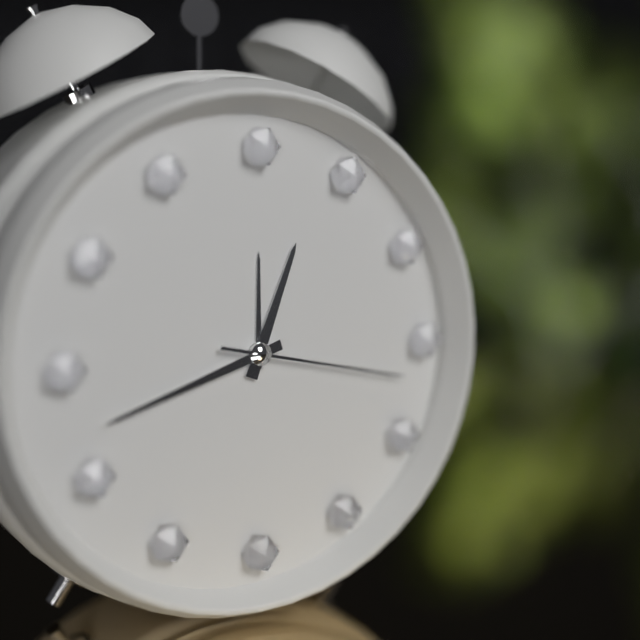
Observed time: 12:42:17
